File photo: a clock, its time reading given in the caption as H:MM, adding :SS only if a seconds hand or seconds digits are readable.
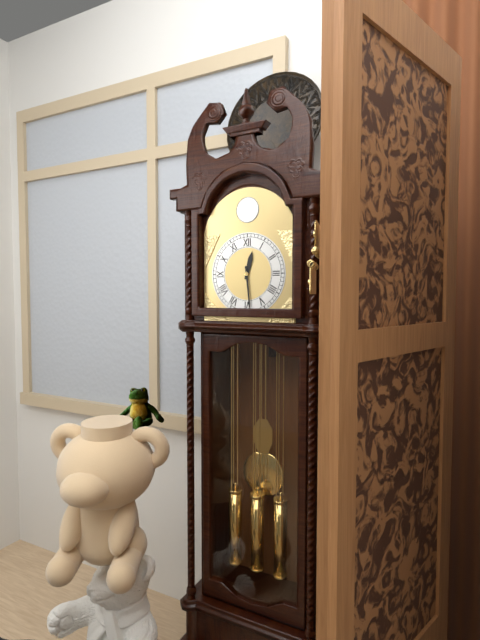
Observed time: 12:29
